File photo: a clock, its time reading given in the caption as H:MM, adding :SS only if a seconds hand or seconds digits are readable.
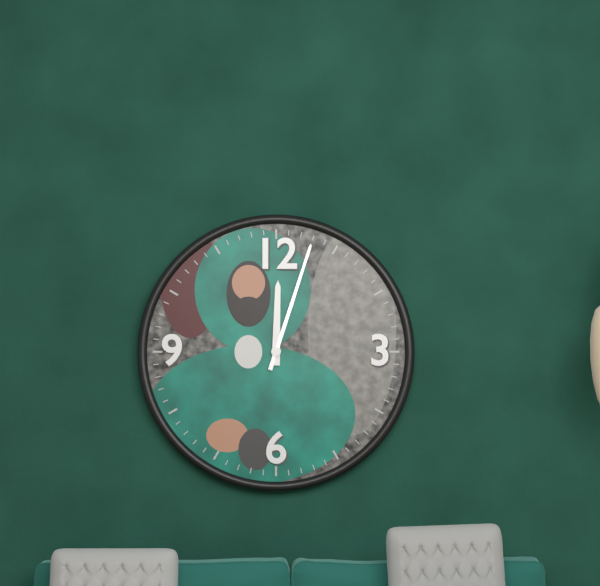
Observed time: 12:03
